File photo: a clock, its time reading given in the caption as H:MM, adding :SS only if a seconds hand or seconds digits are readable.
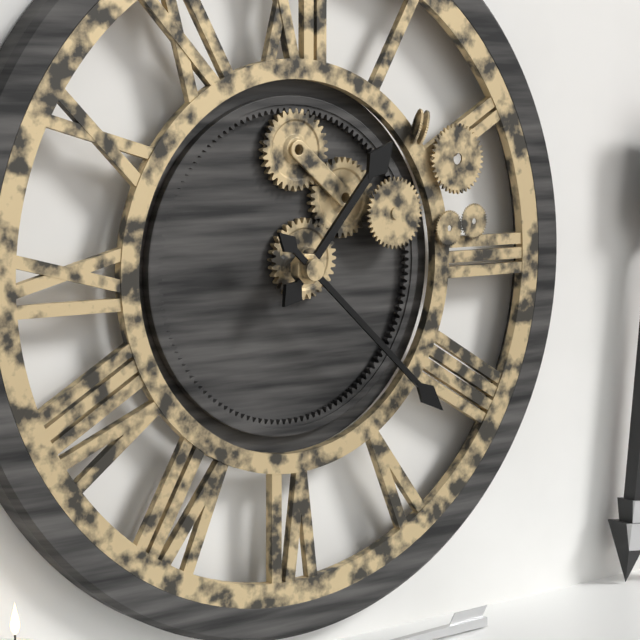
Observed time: 1:22
